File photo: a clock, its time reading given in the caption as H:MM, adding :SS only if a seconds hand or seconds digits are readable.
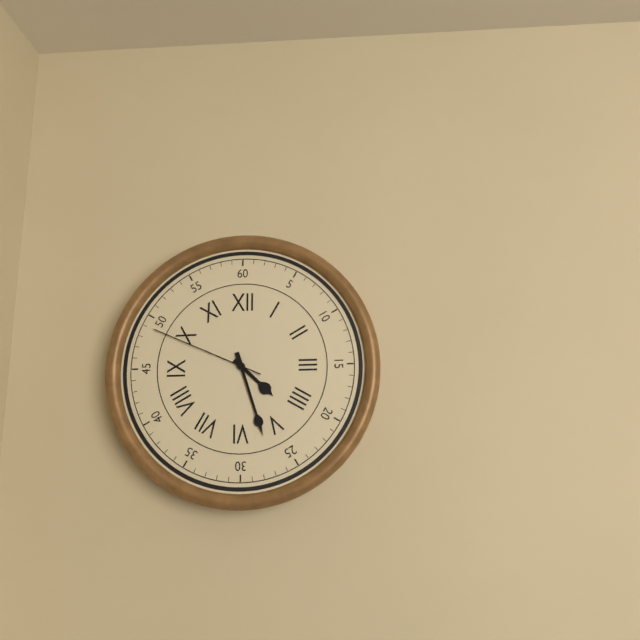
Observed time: 4:27:49
